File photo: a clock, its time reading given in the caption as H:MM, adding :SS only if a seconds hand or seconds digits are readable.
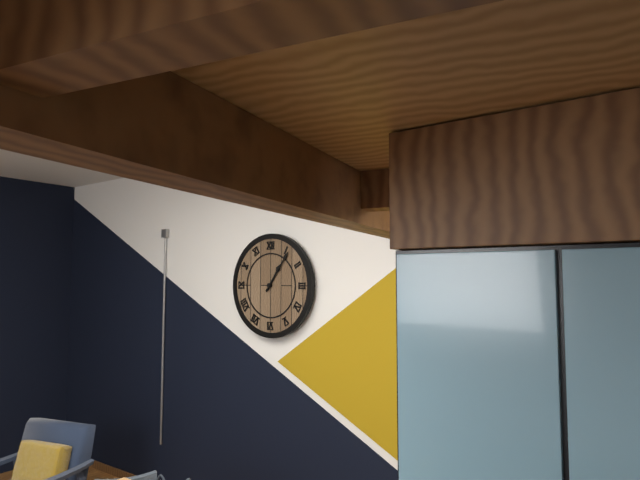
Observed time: 1:06
